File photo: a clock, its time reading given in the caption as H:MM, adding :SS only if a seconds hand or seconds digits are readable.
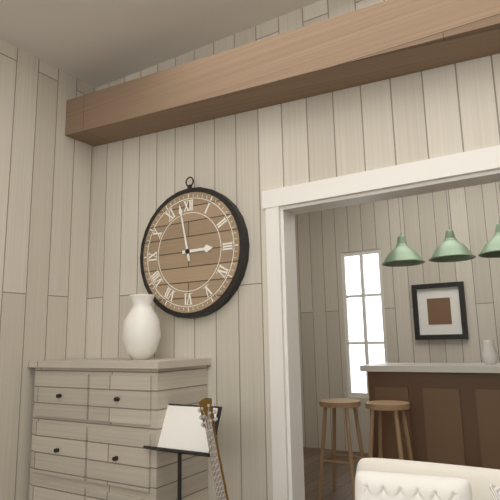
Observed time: 2:58
